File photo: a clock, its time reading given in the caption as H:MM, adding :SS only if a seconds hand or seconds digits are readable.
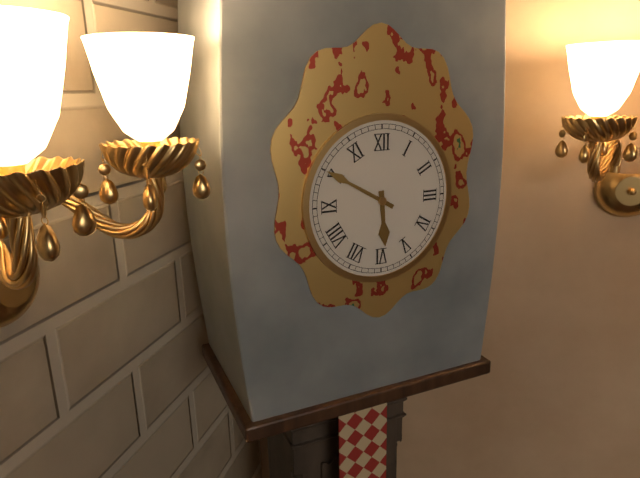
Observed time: 5:50
